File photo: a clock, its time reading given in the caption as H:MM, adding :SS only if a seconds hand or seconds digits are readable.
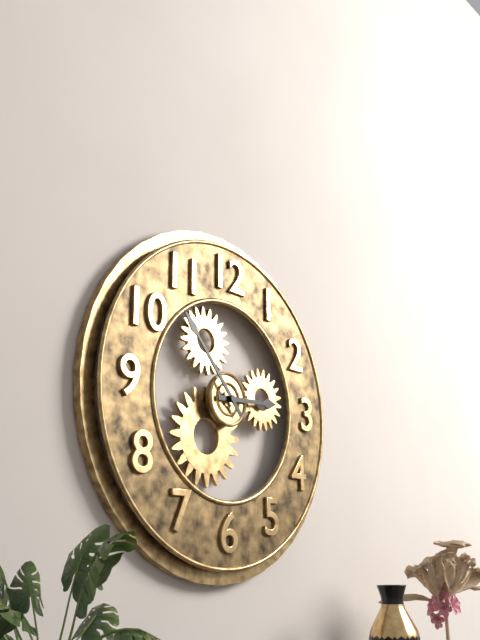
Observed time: 2:53
